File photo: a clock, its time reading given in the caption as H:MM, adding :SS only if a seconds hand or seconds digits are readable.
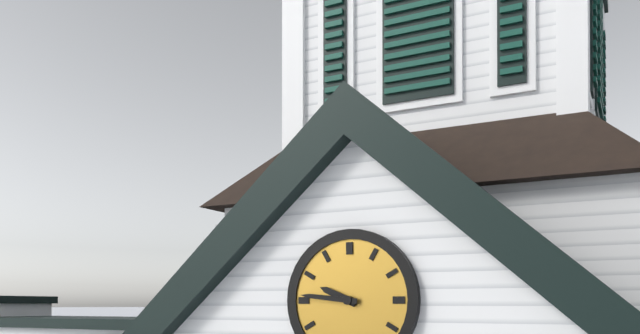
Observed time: 9:46
